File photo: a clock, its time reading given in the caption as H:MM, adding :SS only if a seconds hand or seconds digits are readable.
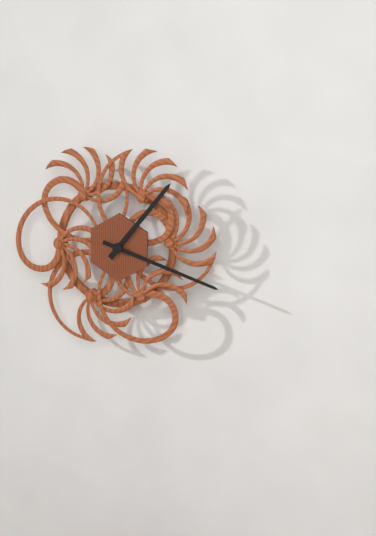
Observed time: 1:18
